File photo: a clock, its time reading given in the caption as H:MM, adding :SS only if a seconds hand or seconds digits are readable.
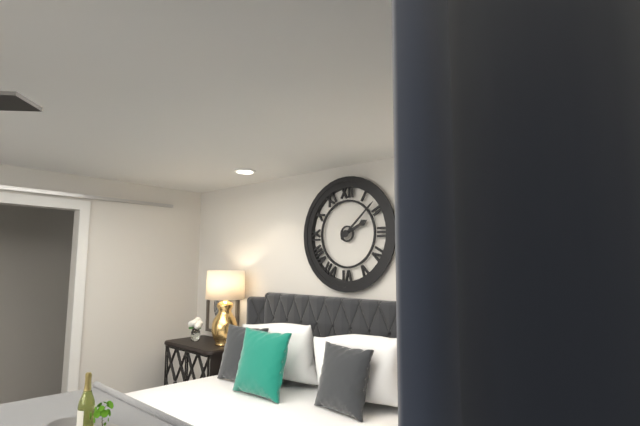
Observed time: 2:08
